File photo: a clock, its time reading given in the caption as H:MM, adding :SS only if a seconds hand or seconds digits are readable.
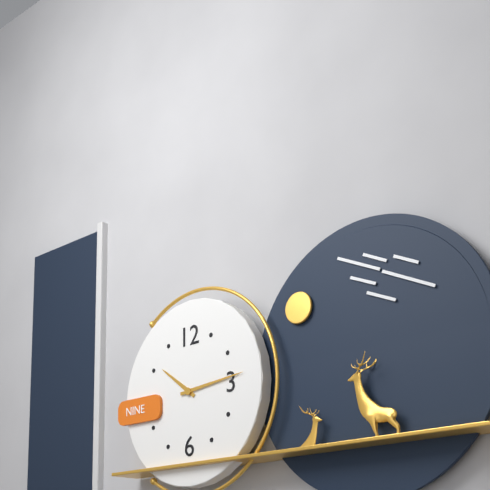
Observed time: 10:14
